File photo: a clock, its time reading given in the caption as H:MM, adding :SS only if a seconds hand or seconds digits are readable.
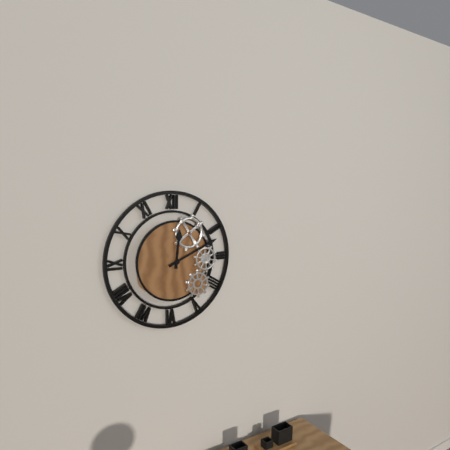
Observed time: 12:11
